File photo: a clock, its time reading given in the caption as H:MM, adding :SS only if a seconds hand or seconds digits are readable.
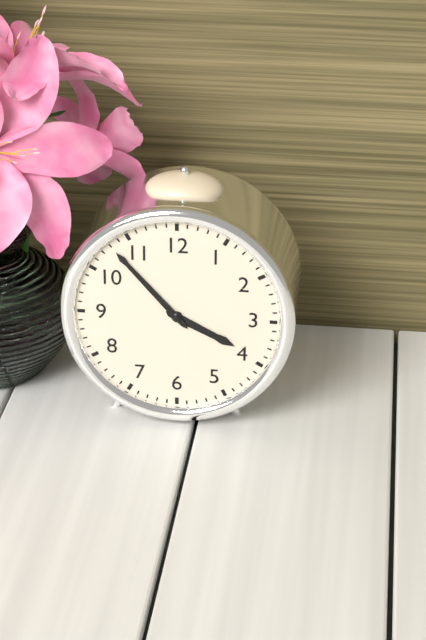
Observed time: 3:53
